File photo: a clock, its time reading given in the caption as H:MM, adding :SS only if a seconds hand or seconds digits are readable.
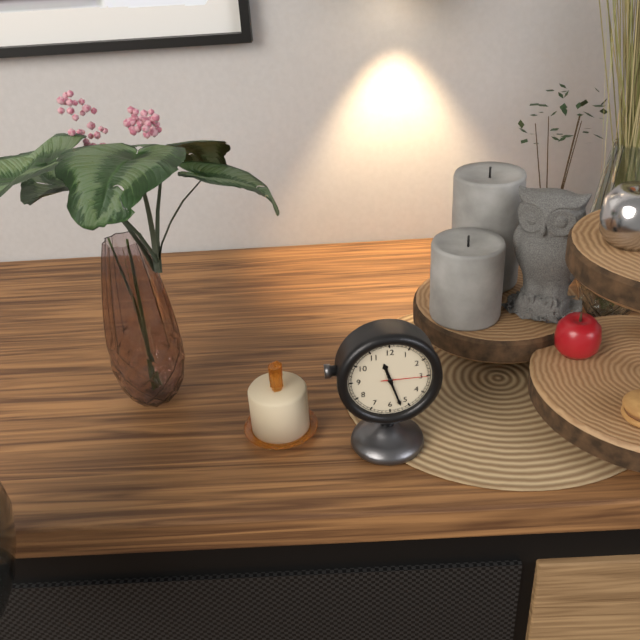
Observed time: 11:27
